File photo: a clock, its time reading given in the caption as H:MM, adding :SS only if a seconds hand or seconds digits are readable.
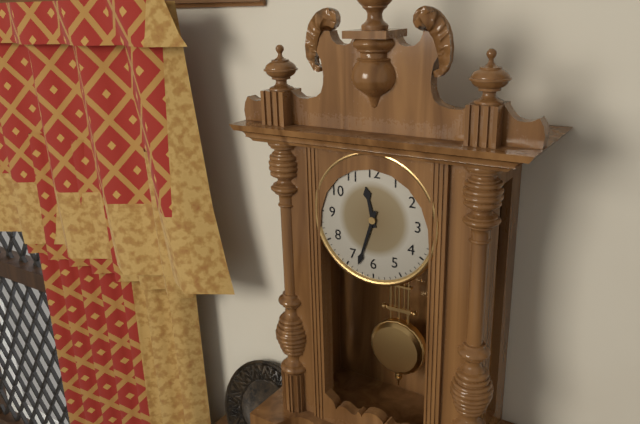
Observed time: 11:33
